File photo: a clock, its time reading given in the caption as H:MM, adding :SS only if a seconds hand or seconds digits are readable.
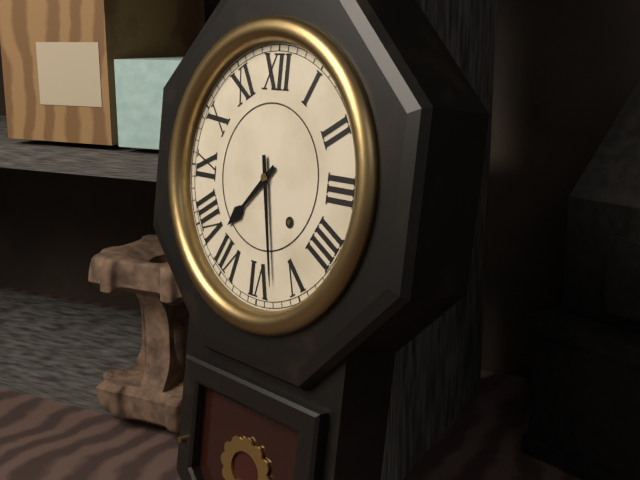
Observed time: 7:28
